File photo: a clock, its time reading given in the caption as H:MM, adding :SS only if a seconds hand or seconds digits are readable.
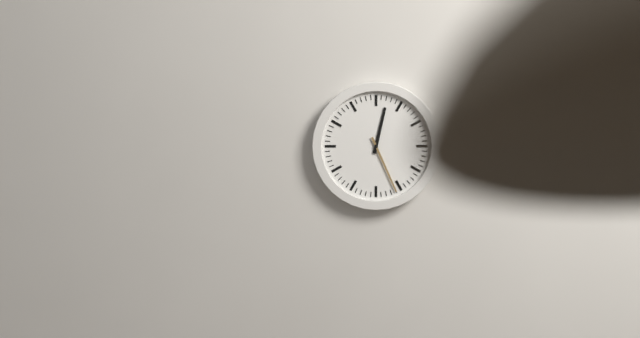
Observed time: 12:26
